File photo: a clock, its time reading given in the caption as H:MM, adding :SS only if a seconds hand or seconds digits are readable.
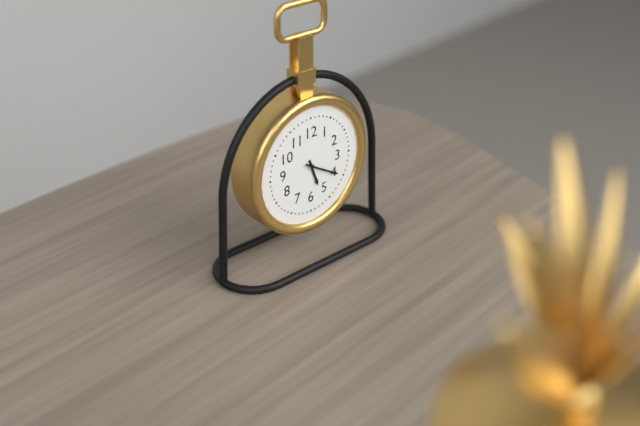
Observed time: 5:20
